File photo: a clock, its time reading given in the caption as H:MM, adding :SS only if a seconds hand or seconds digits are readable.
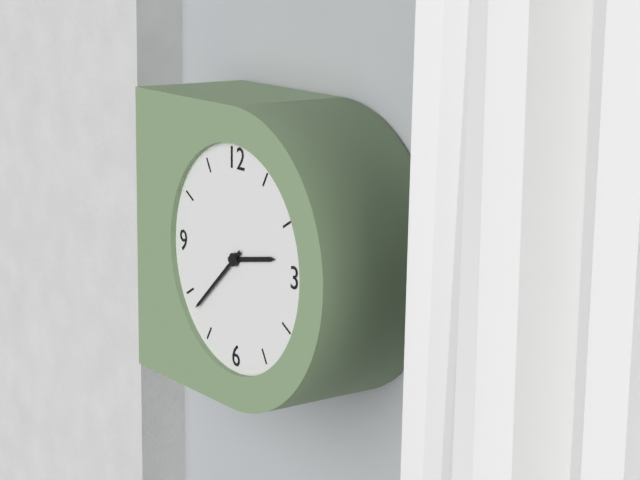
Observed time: 2:38
